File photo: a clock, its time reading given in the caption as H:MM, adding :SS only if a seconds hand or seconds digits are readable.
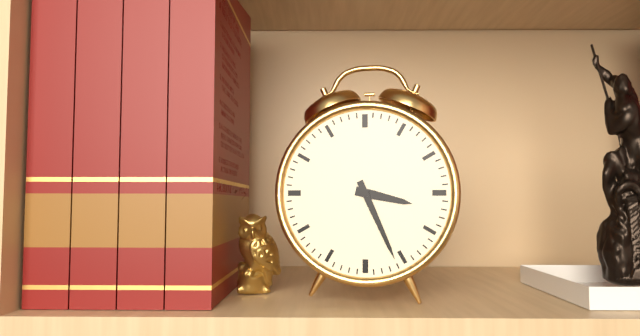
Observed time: 3:26
